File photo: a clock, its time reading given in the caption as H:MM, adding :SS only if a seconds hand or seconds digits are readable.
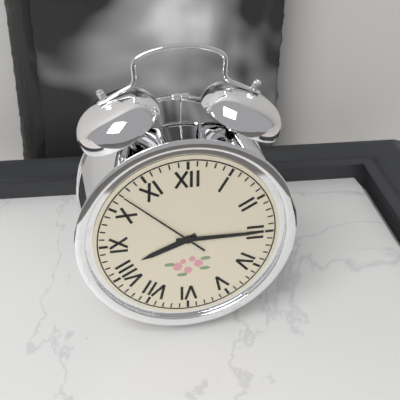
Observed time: 8:15:52
